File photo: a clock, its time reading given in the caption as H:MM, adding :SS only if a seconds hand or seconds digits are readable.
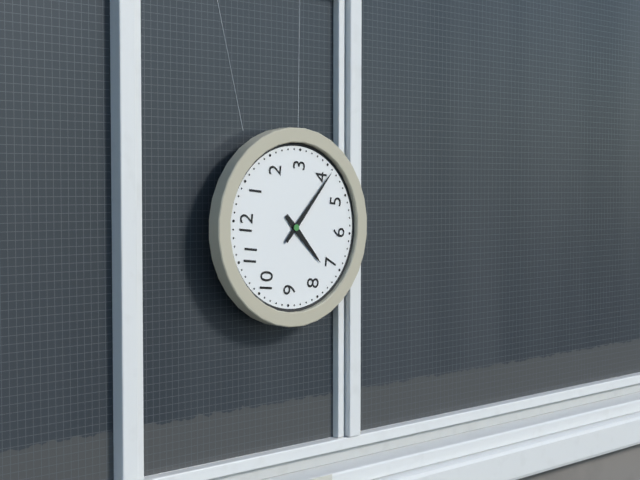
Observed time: 7:21
